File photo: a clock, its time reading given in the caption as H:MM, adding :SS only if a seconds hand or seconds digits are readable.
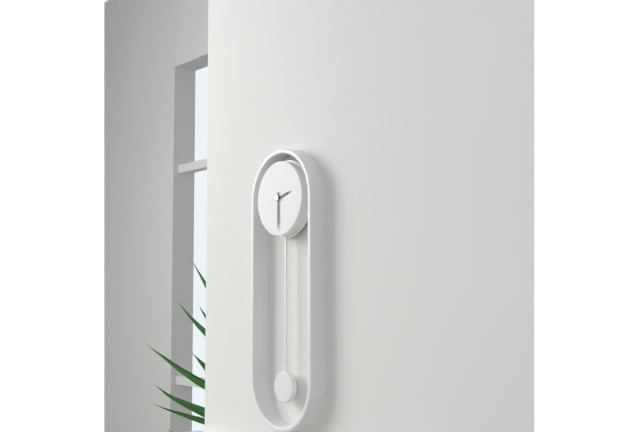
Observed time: 2:30
